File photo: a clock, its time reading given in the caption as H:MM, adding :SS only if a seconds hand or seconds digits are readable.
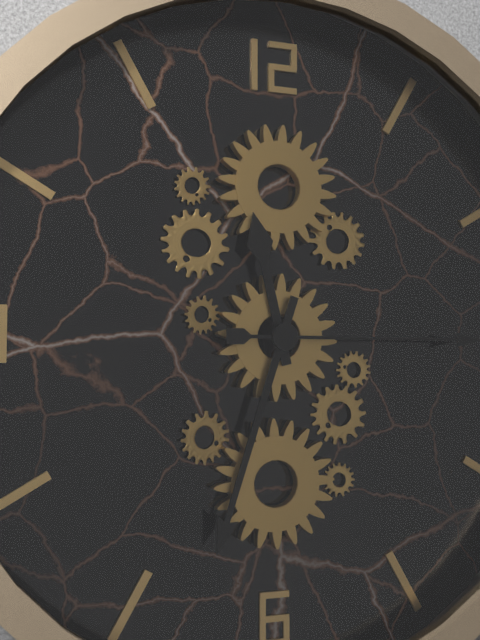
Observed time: 11:33
